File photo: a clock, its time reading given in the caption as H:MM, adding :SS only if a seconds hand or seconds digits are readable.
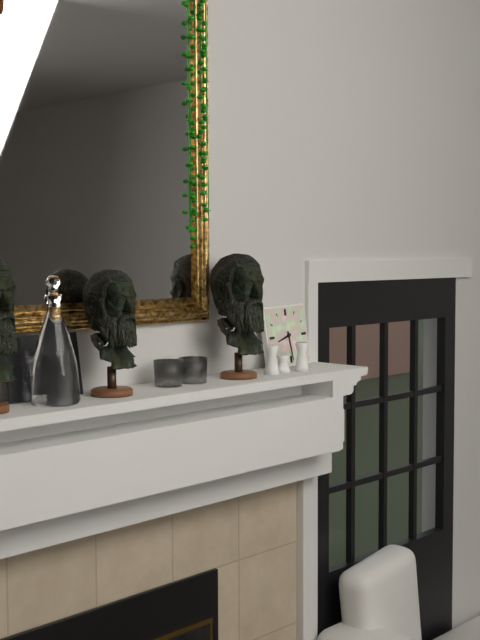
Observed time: 8:29
